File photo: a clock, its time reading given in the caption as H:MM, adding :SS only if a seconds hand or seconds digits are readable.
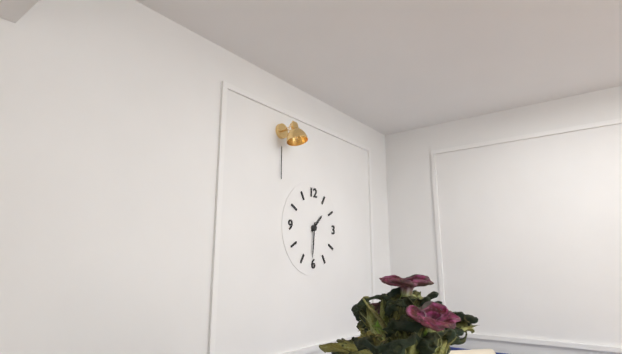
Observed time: 1:31
